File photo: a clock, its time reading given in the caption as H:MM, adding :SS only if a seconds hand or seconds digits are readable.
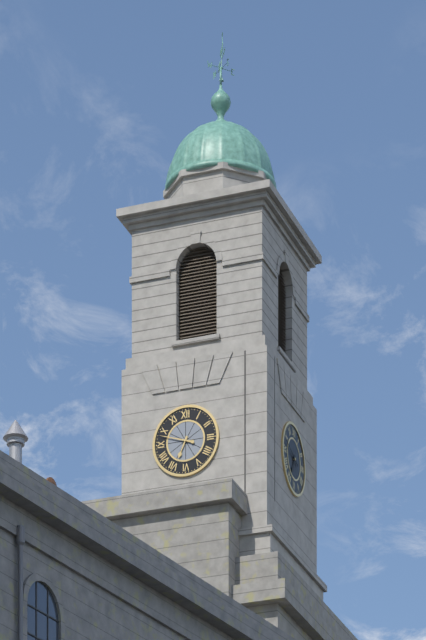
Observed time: 6:48
